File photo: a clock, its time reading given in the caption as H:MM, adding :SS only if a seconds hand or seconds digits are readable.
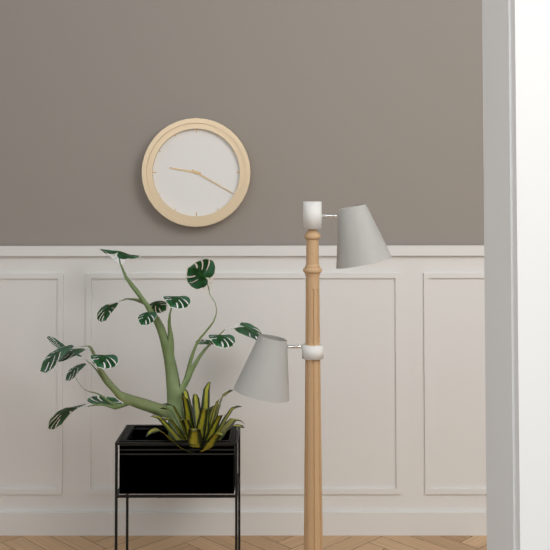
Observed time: 9:20
